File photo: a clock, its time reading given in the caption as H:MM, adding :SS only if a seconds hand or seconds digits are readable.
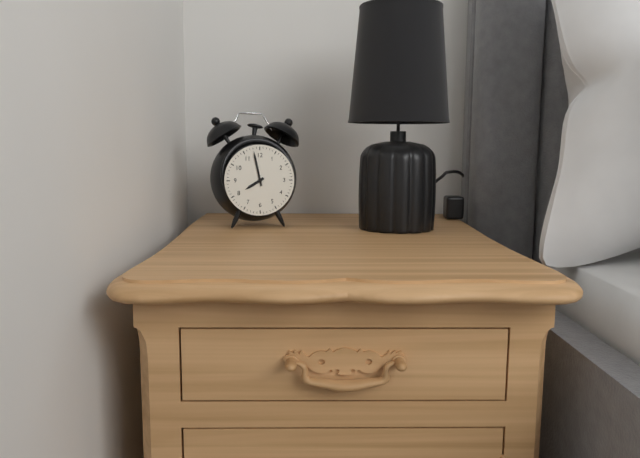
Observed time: 7:58
